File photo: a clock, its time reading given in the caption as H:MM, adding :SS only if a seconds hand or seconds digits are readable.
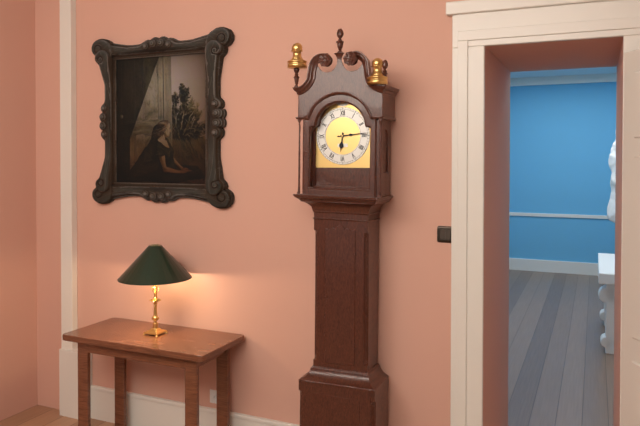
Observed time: 6:14
